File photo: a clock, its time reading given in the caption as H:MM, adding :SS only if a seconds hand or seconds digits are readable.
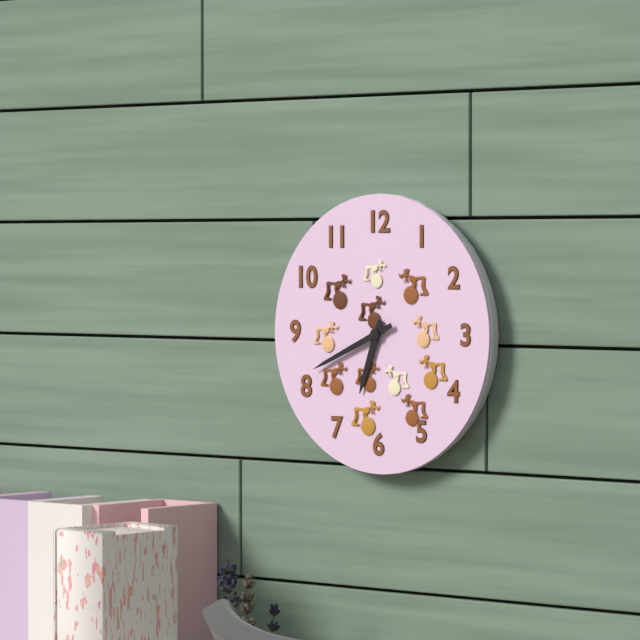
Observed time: 6:41
